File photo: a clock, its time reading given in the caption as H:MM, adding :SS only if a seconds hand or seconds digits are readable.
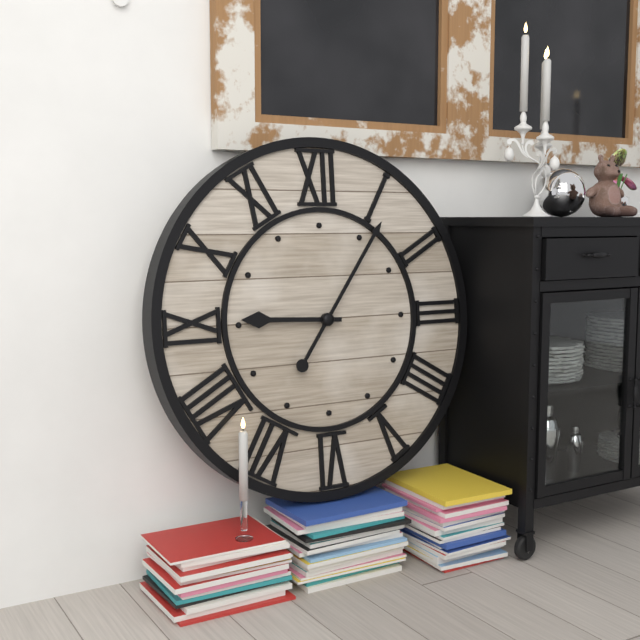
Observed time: 9:06
